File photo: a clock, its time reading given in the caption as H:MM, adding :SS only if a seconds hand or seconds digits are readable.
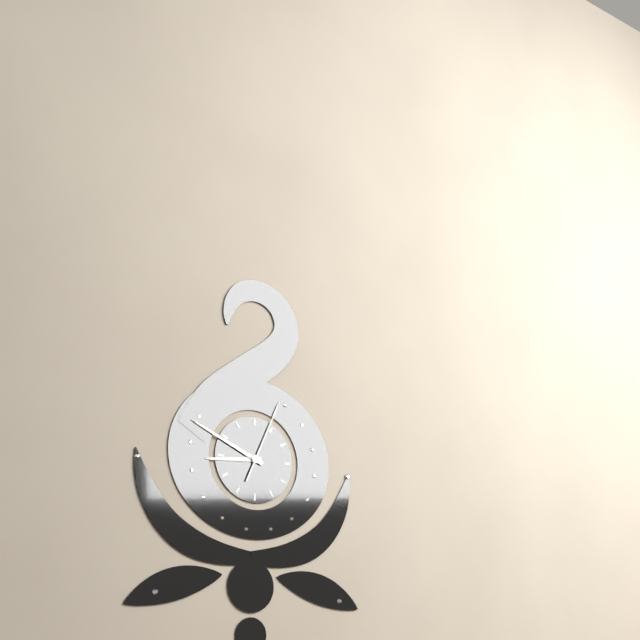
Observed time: 8:49:04
